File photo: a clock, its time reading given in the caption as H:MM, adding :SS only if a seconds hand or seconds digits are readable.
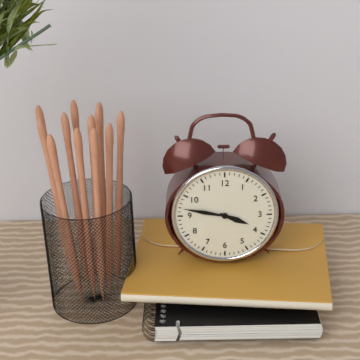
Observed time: 3:47
